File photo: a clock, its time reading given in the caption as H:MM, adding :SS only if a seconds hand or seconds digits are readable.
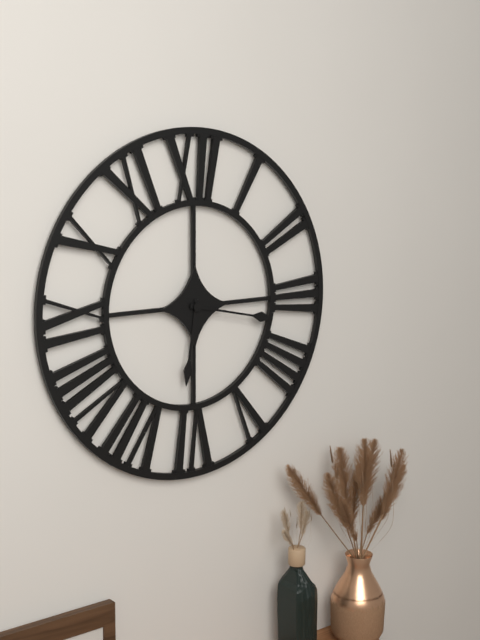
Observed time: 6:17
